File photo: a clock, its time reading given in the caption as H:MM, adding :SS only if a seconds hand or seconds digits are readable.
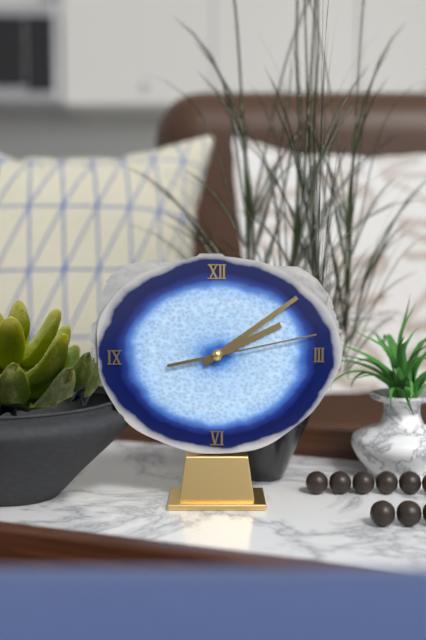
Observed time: 2:09:13
